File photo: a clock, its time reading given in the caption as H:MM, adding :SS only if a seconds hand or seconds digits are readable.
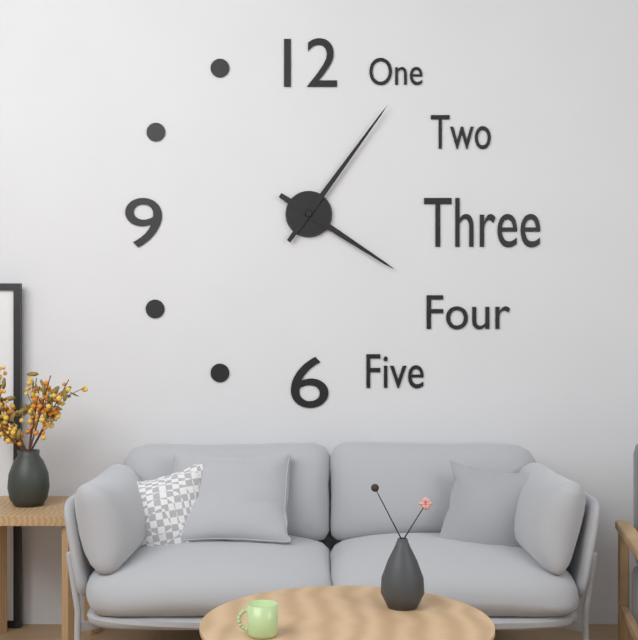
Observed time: 4:06
